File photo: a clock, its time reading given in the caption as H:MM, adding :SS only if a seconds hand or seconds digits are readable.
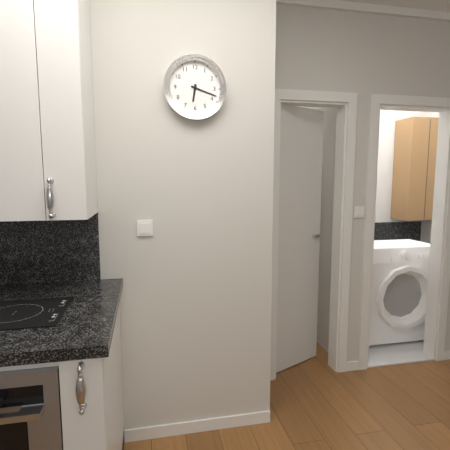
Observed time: 6:18
